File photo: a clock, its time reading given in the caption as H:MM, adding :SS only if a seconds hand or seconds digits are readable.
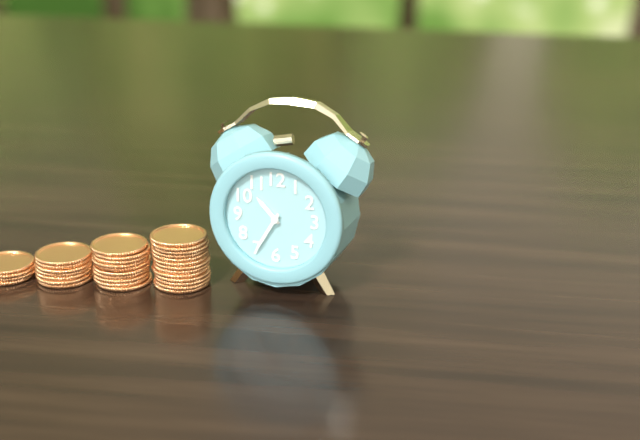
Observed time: 10:35
